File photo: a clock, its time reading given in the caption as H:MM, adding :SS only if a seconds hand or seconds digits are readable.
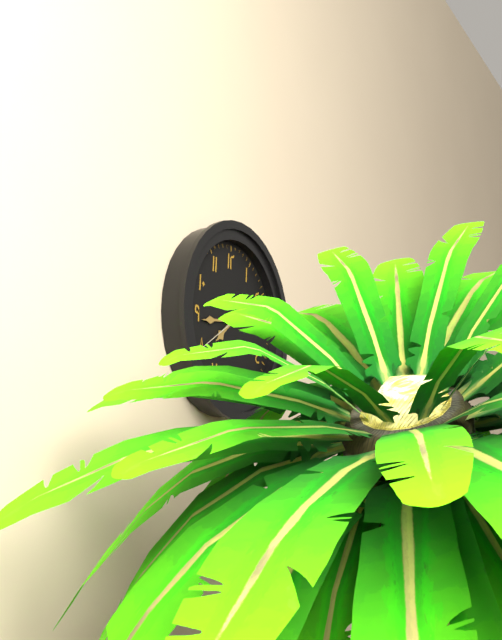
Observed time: 7:44:40
